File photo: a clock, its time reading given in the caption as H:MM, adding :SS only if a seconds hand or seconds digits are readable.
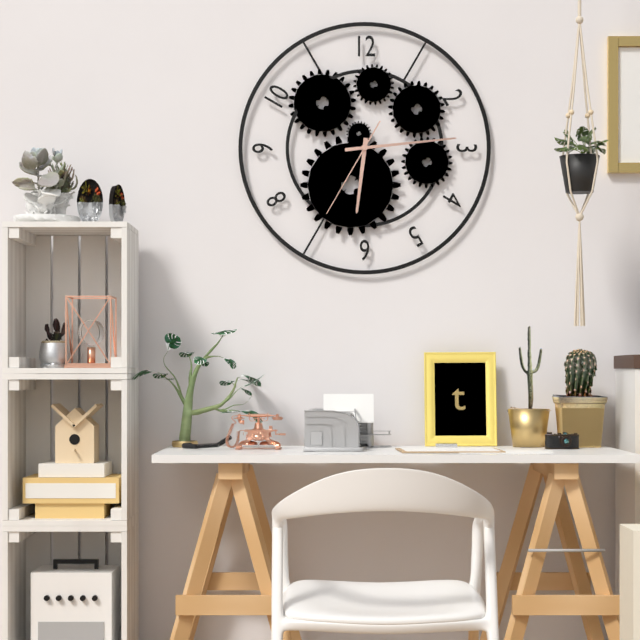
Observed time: 6:14:35
